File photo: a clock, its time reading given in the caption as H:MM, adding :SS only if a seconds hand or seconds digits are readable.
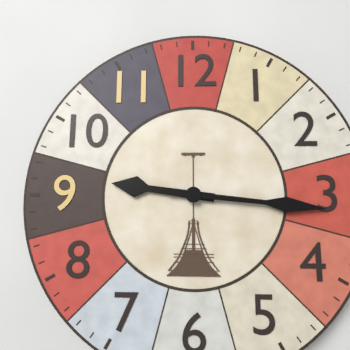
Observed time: 9:16
